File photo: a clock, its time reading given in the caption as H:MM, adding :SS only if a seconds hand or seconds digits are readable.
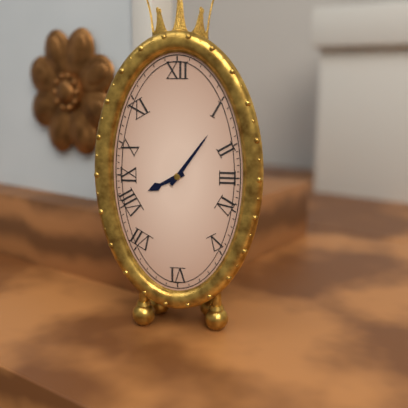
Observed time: 8:06
